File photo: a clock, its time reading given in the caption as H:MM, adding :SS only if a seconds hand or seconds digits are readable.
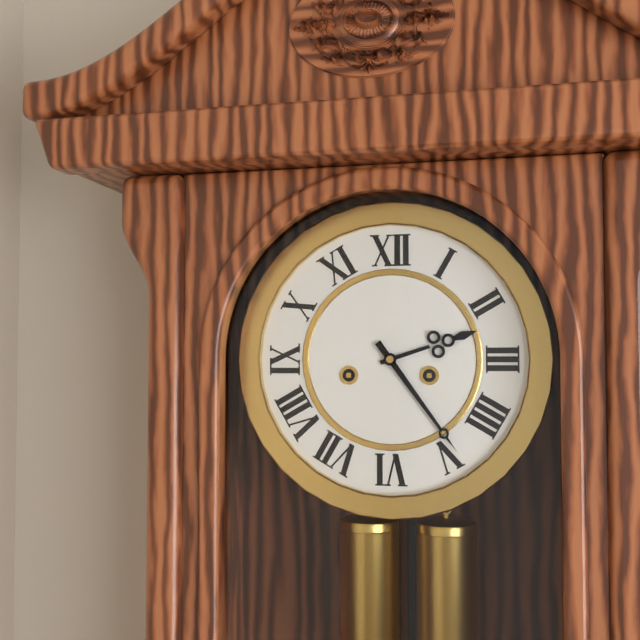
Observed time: 2:24
